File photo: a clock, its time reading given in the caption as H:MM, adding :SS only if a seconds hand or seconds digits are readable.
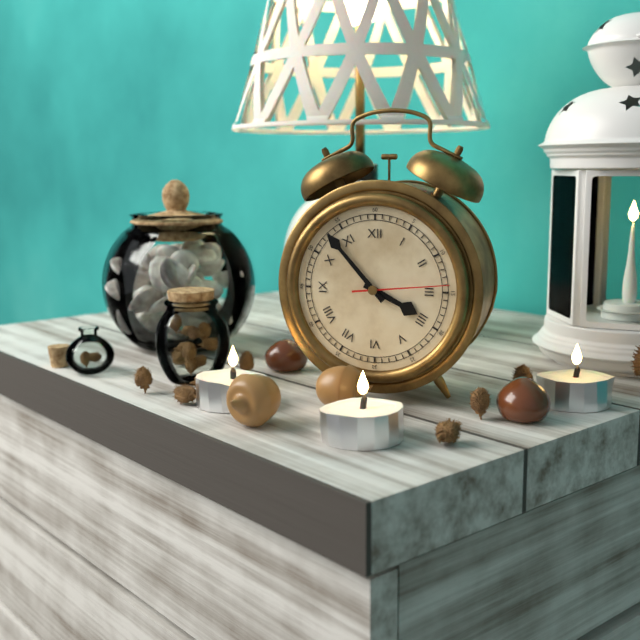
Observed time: 3:53:14
